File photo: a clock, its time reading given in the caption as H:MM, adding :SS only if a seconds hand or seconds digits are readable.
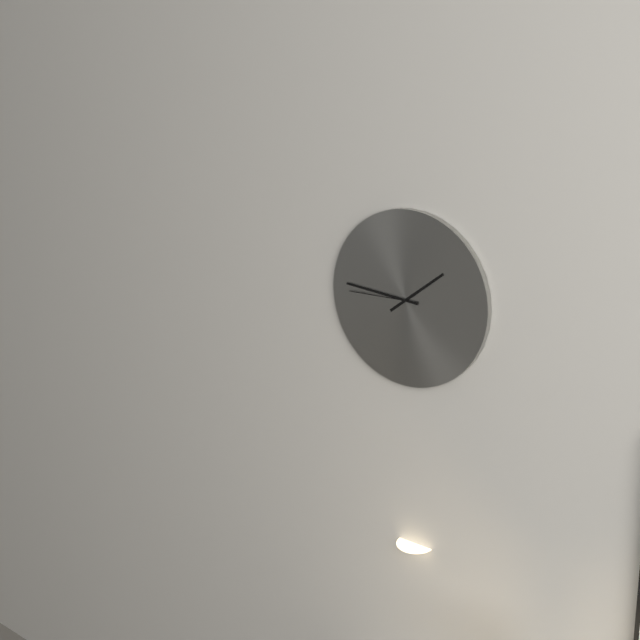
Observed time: 1:46:45
